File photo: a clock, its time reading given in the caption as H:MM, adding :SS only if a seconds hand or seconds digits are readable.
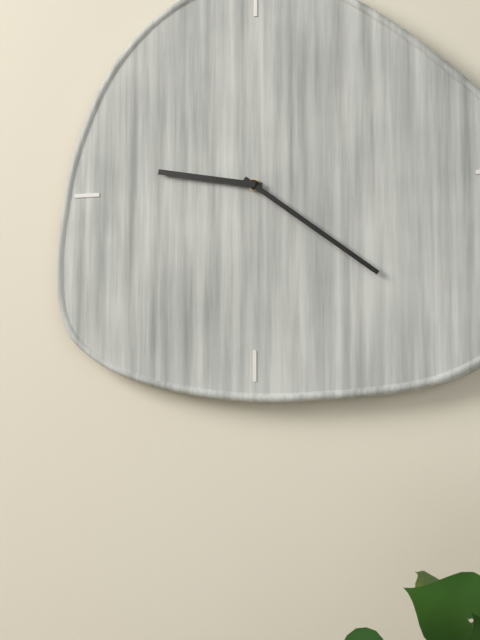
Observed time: 9:21
